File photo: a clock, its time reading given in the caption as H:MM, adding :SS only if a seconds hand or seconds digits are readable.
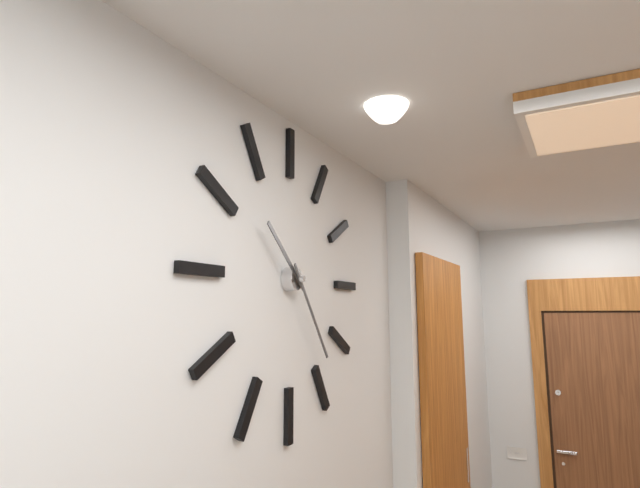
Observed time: 10:24
